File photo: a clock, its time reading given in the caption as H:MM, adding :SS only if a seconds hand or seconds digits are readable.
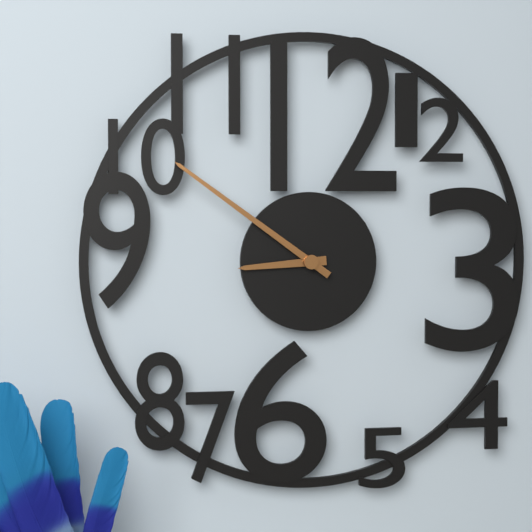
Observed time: 8:51
